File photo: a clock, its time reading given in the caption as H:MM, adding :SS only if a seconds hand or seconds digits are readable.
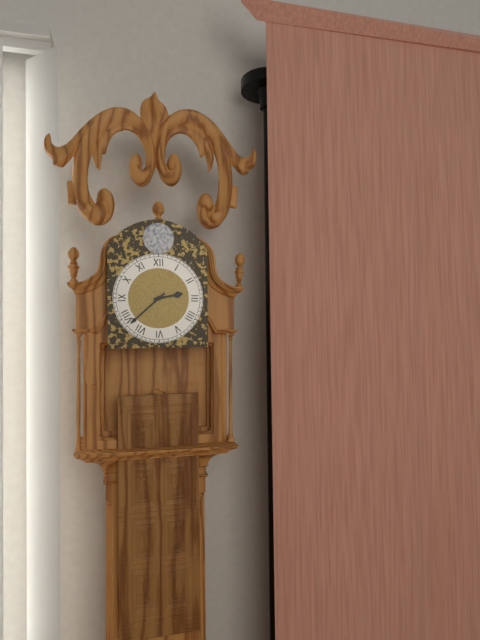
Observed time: 2:38
